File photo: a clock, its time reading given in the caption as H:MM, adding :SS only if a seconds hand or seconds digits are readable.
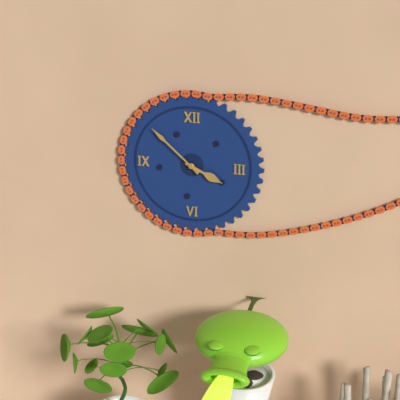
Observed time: 3:52
